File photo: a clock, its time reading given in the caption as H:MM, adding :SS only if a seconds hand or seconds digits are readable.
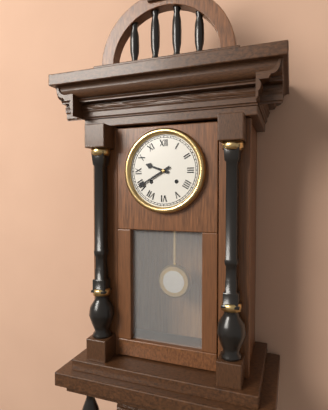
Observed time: 9:40
